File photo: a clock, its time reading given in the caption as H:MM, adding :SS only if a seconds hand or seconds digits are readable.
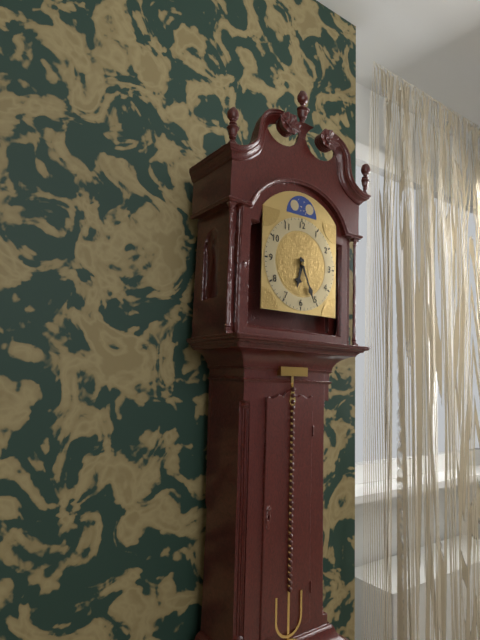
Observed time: 6:26
